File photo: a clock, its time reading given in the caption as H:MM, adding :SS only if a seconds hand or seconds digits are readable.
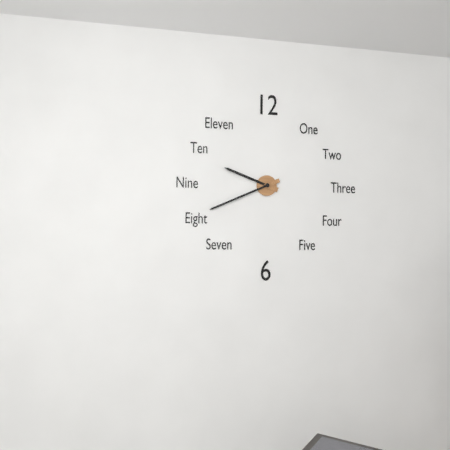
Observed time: 9:41
